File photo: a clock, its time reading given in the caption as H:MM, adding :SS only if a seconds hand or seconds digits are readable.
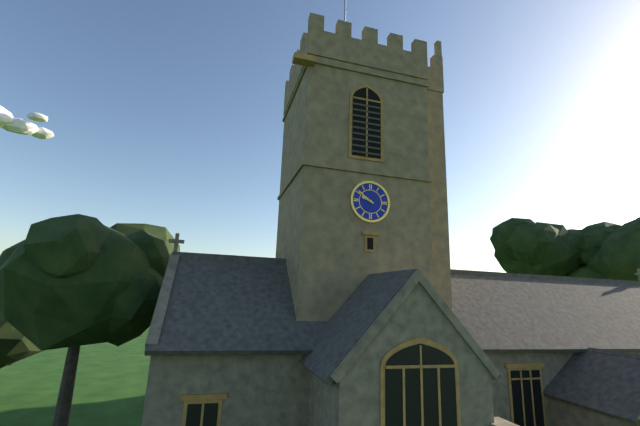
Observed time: 9:51
